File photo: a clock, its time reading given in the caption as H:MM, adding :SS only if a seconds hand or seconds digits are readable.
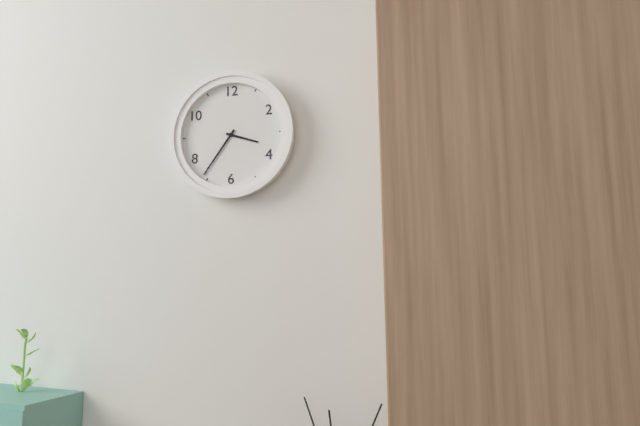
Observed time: 3:36
